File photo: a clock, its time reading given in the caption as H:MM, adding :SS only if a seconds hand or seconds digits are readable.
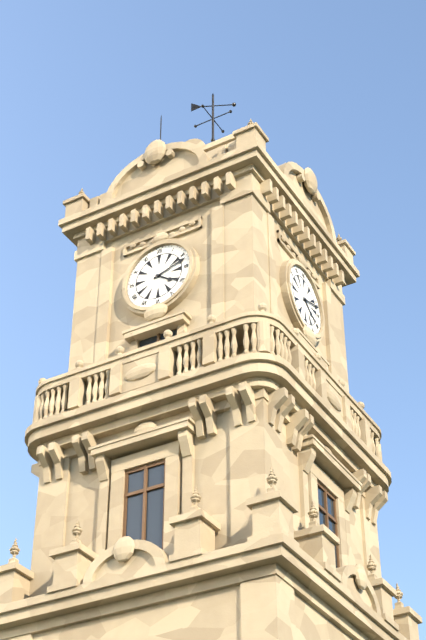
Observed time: 4:12
